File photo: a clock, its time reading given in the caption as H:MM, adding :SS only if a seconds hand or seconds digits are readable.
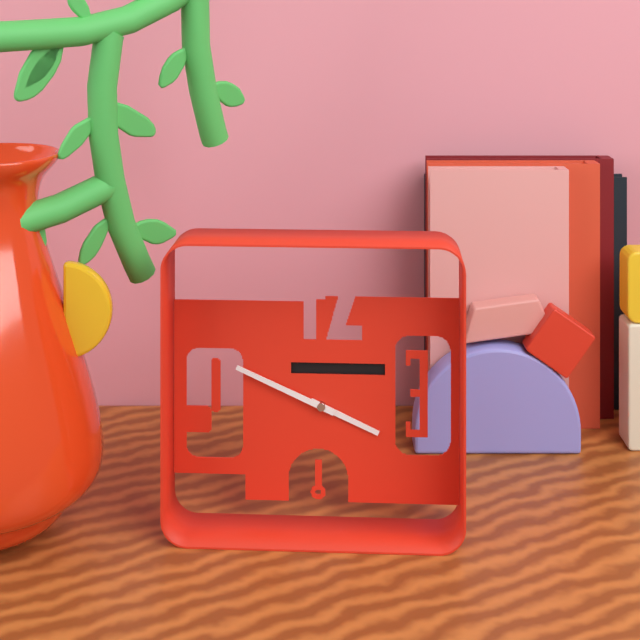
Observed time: 3:49
